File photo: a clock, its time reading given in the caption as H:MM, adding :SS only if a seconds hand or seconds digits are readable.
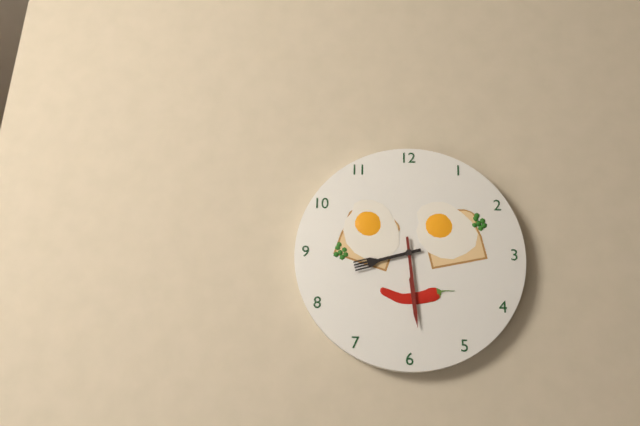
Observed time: 8:29
